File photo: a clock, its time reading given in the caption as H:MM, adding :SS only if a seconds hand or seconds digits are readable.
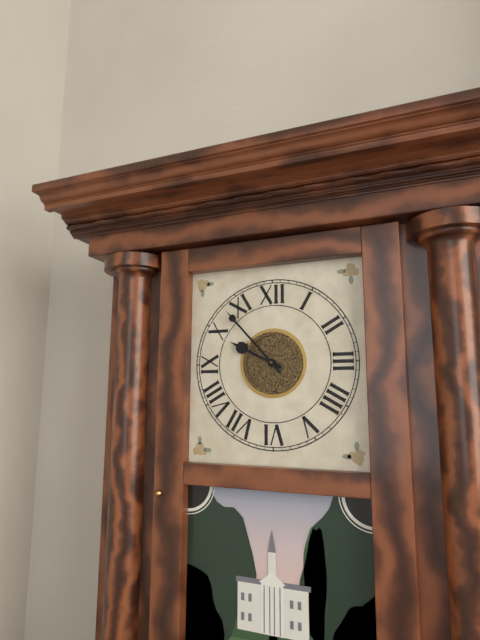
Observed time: 9:53
